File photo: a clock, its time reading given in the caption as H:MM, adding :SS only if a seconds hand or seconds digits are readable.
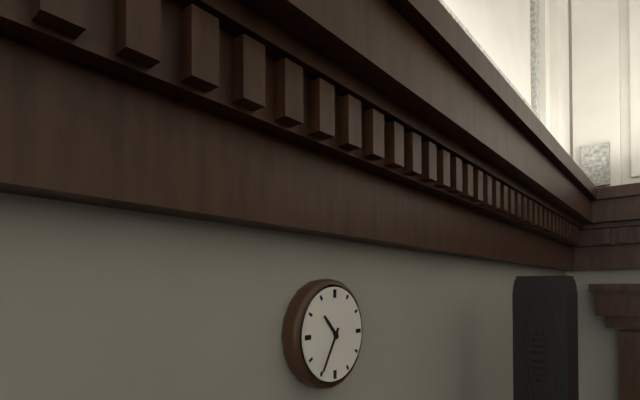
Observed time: 10:35
